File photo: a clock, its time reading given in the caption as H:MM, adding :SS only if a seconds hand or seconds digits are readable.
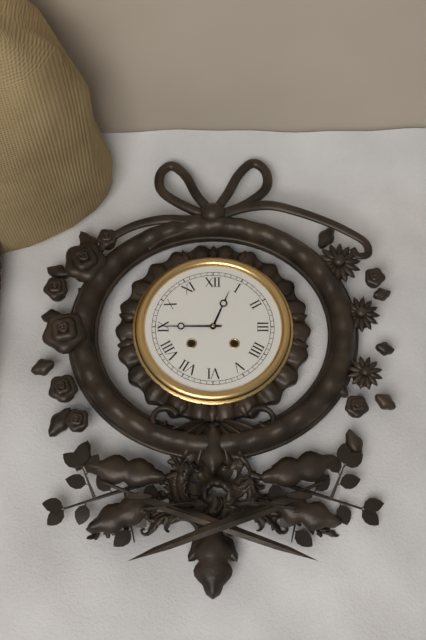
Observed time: 12:45
